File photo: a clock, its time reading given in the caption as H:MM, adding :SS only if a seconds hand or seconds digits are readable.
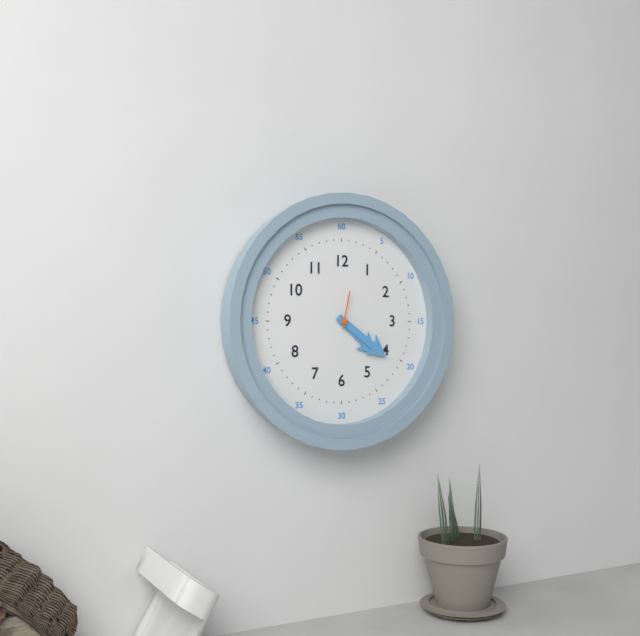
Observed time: 4:21
